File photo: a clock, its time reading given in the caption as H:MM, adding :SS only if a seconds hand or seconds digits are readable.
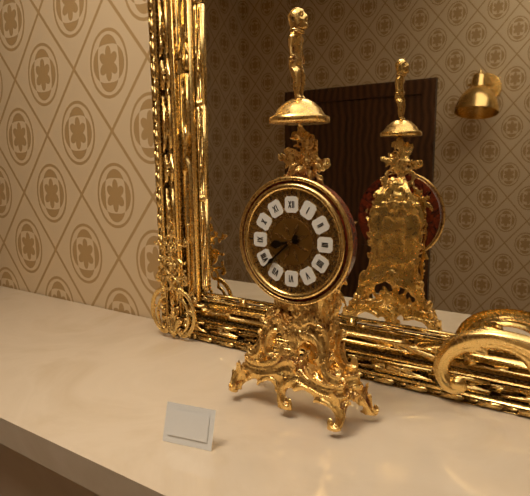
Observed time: 8:38
